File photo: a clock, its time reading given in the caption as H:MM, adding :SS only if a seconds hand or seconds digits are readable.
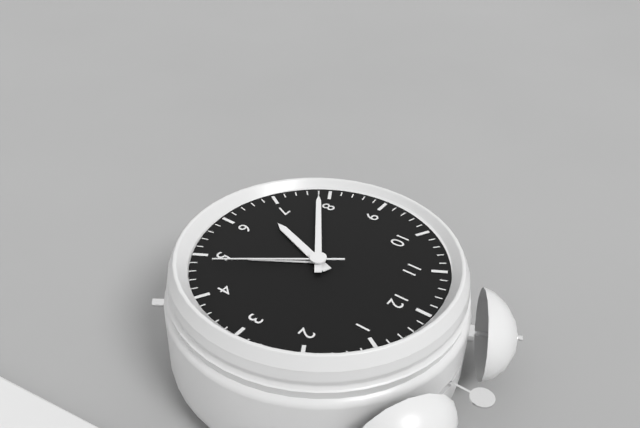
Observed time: 6:39:24
